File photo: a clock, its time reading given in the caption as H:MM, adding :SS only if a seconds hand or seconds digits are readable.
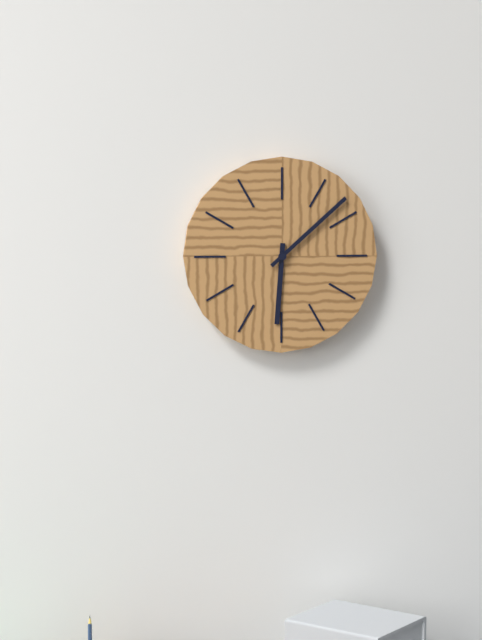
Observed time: 6:08
